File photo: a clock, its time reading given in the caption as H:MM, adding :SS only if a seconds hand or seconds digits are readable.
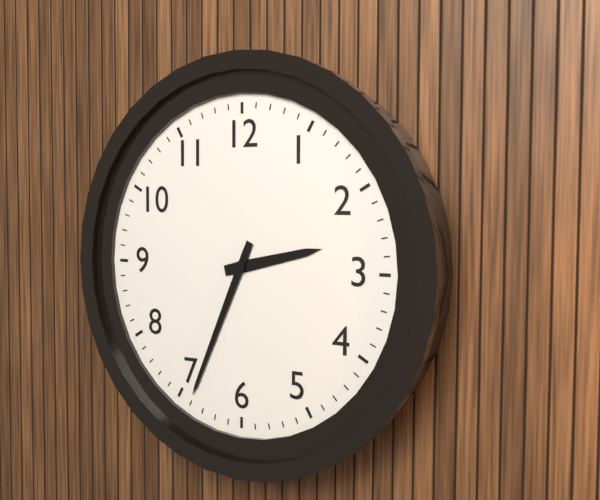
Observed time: 2:34
